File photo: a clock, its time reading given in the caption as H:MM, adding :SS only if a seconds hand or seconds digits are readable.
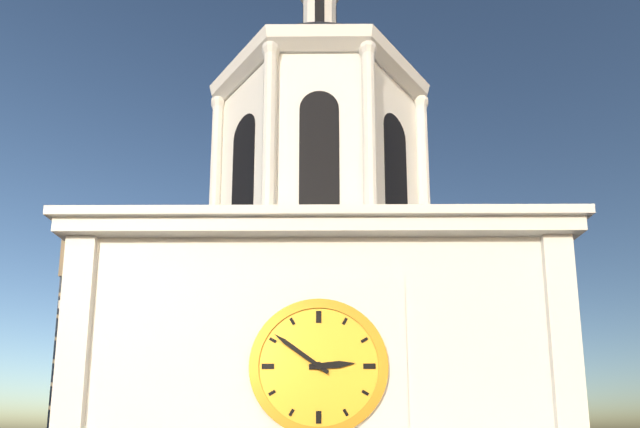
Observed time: 2:51
